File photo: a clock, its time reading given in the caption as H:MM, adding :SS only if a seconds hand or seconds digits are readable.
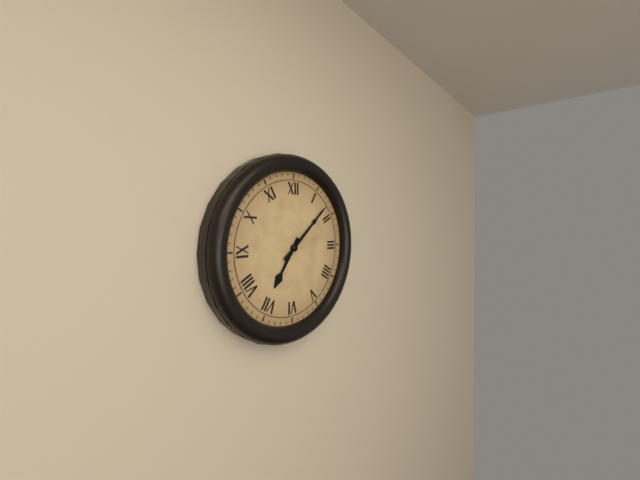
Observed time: 7:08
